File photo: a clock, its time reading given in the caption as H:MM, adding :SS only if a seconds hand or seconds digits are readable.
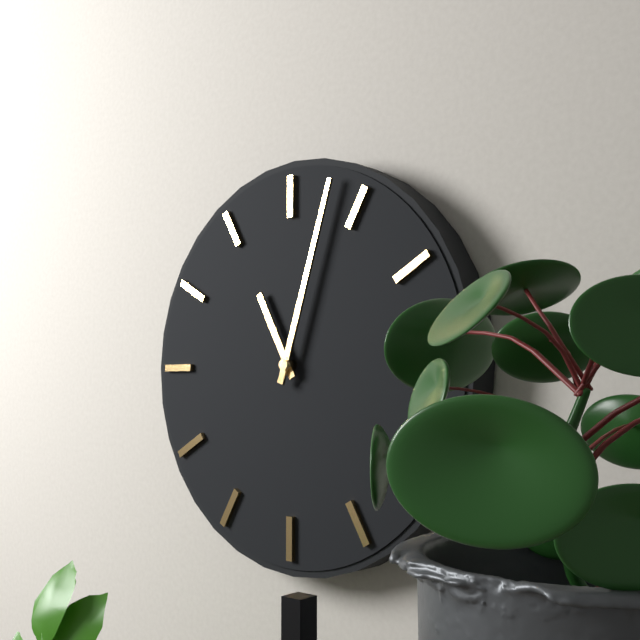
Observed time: 11:03
